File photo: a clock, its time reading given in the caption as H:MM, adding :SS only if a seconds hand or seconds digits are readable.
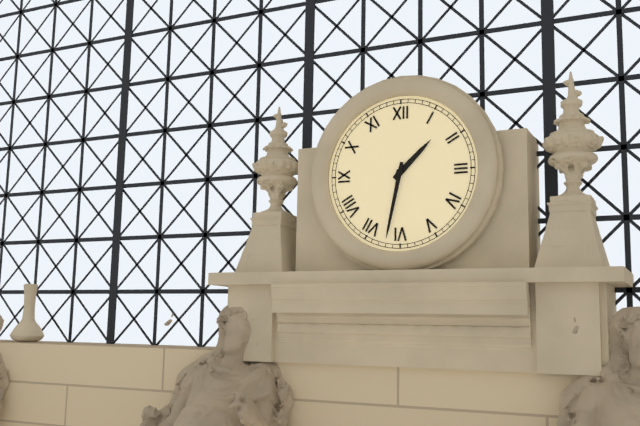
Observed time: 1:32
